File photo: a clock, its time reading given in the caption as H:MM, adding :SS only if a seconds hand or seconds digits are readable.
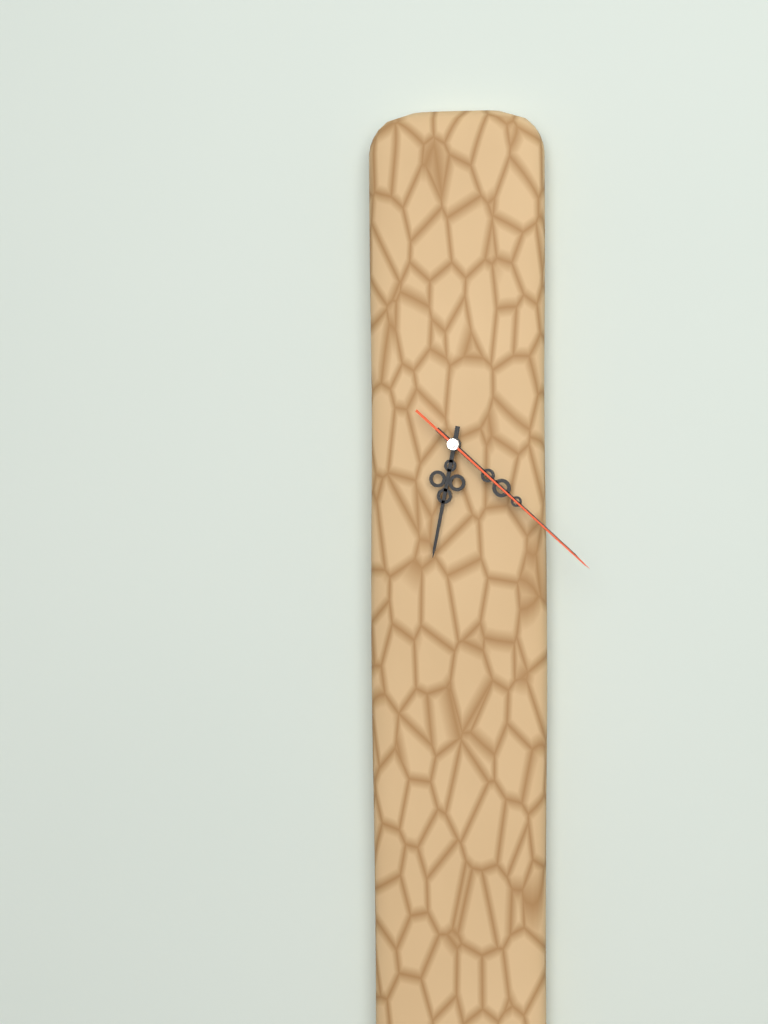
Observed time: 6:22:22
